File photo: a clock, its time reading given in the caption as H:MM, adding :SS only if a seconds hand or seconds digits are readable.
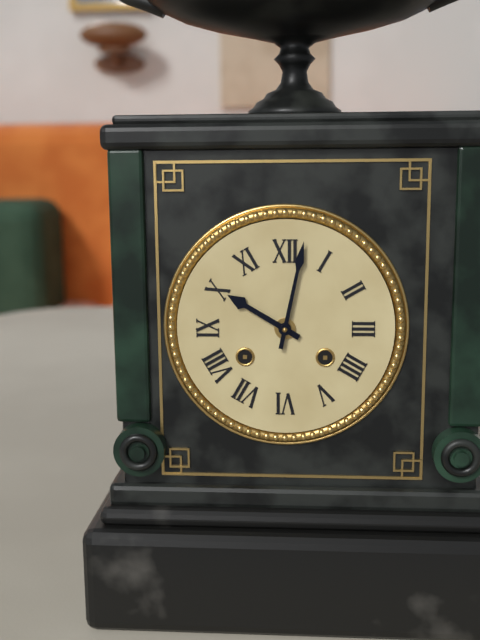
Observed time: 10:02
